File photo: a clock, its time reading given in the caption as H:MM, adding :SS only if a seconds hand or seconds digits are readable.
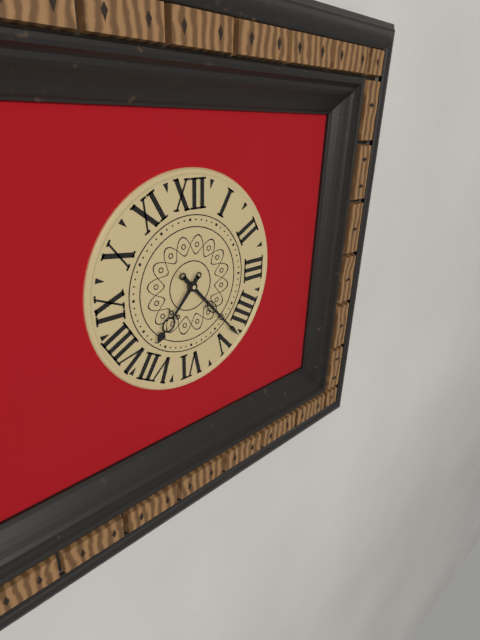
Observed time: 7:23
